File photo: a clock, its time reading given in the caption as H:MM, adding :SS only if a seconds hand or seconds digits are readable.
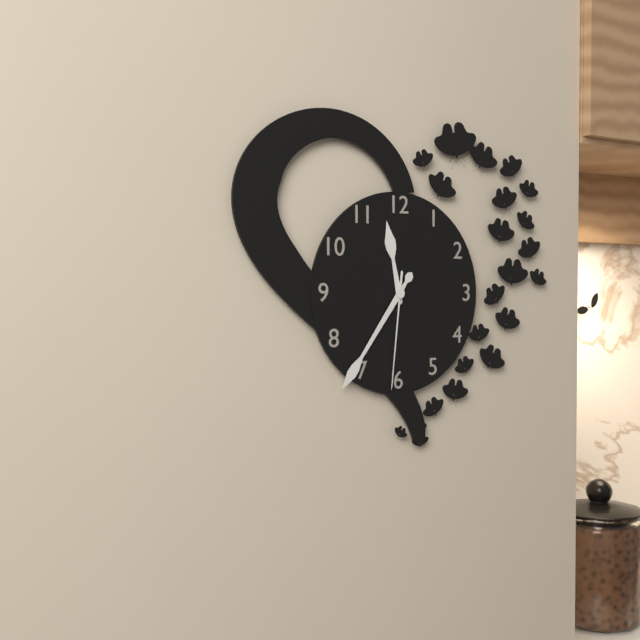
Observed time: 11:36:31
